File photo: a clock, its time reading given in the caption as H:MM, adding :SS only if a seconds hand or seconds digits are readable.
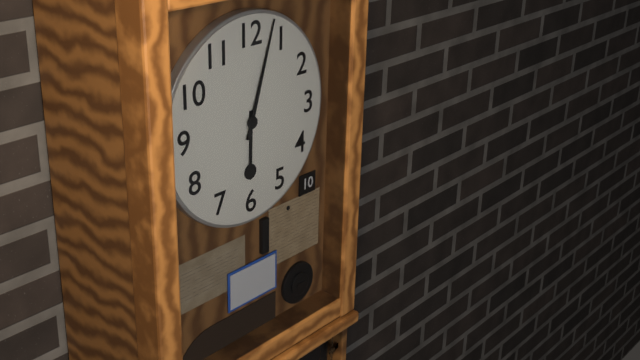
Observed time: 6:03
